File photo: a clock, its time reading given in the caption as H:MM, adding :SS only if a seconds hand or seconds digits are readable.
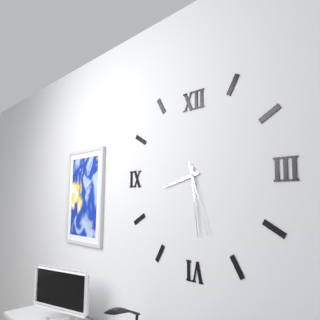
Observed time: 8:29:27
